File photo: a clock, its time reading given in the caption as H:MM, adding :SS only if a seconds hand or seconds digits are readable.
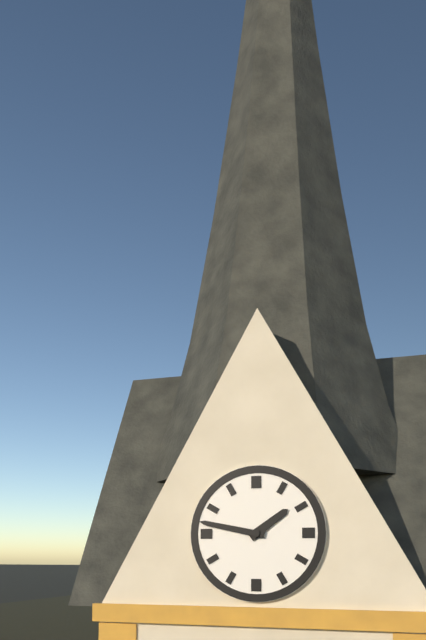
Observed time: 1:47
